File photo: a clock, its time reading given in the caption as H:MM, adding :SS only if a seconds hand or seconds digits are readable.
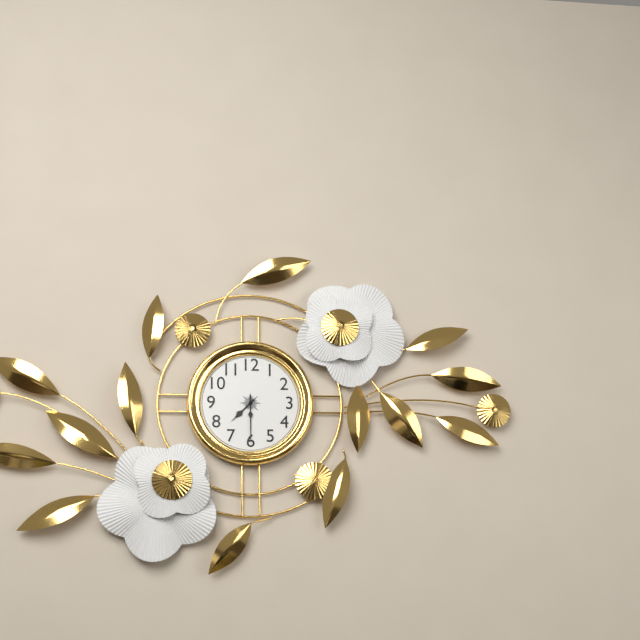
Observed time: 7:30
